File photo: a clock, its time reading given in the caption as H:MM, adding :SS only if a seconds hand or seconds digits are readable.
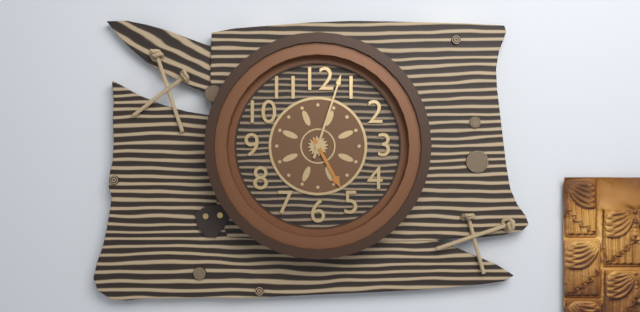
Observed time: 5:03
